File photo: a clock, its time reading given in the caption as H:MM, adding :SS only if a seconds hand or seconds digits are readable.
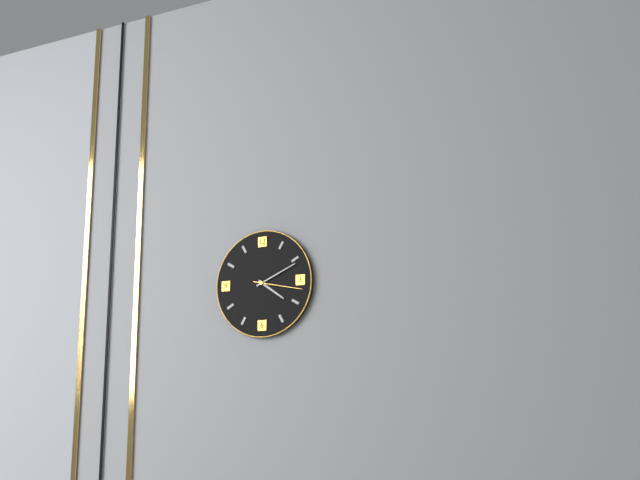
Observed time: 4:11:17
